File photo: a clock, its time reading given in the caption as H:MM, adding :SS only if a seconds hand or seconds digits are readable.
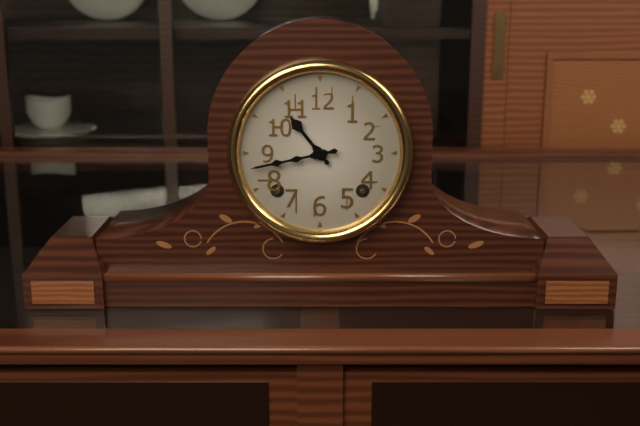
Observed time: 10:43
